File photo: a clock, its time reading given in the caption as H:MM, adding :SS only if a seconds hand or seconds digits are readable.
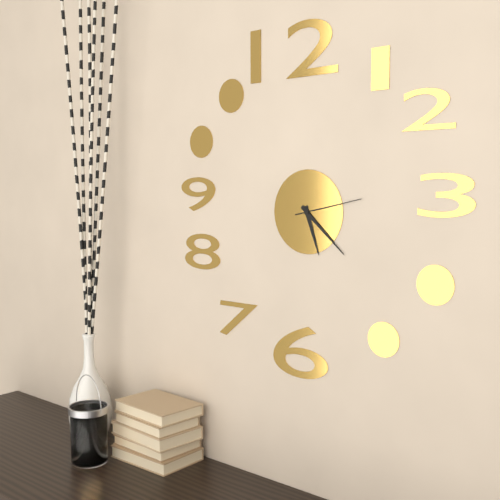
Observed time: 5:22:13
